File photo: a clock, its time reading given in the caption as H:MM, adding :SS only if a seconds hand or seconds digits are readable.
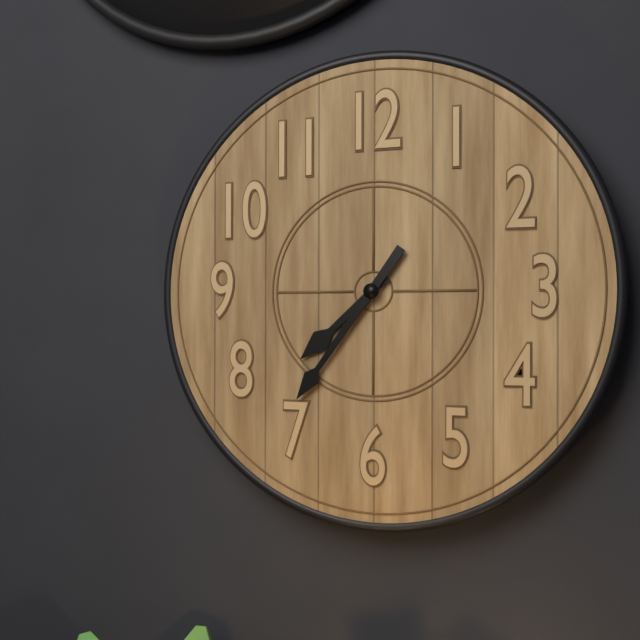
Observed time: 7:36
